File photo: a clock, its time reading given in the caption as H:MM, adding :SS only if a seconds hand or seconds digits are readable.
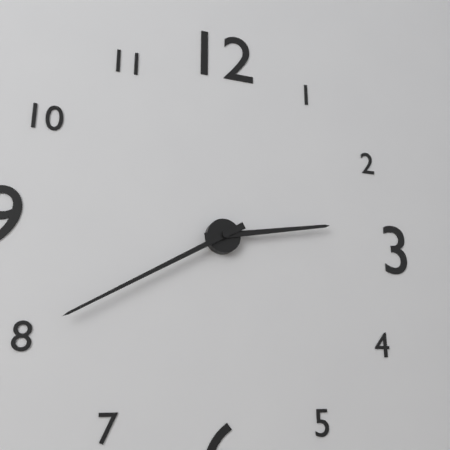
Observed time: 2:40
